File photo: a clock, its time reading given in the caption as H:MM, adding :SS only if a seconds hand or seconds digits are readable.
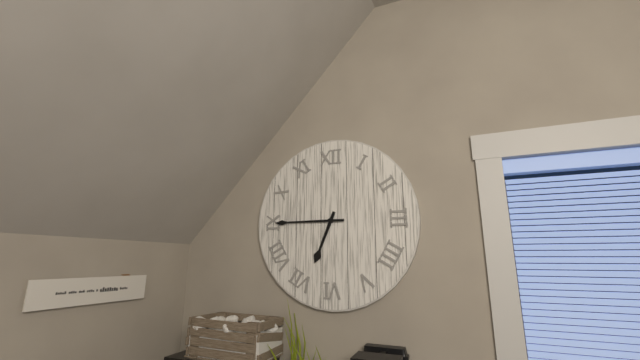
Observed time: 6:45
